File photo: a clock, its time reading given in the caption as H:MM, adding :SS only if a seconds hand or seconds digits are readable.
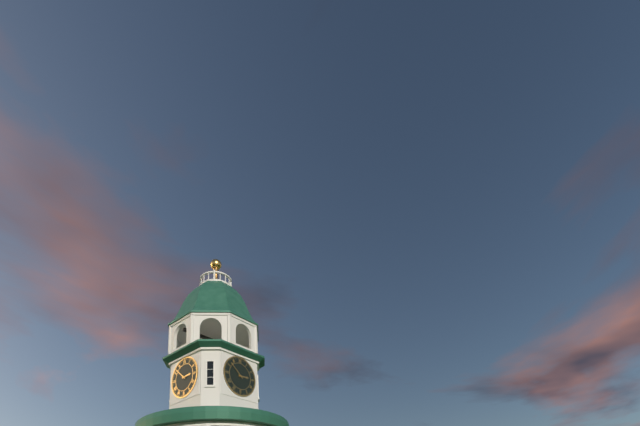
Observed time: 2:52
